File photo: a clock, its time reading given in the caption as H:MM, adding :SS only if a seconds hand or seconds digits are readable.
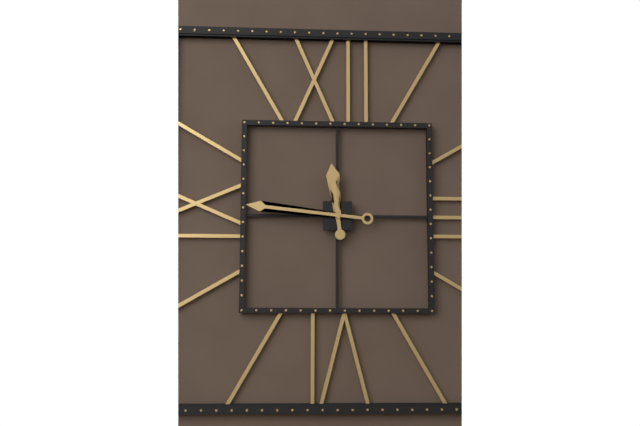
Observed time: 11:46
